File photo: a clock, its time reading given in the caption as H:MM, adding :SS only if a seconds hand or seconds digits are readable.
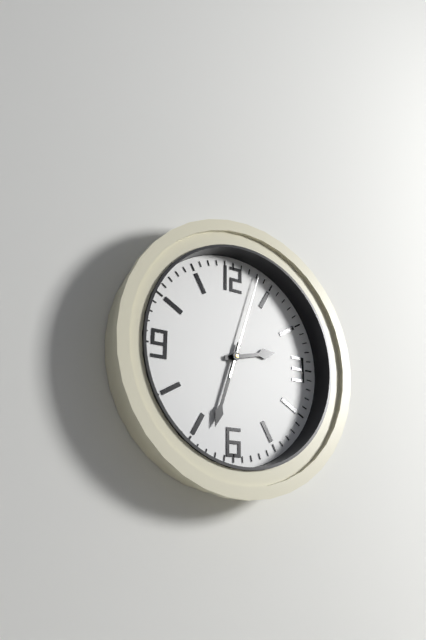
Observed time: 2:33:03
